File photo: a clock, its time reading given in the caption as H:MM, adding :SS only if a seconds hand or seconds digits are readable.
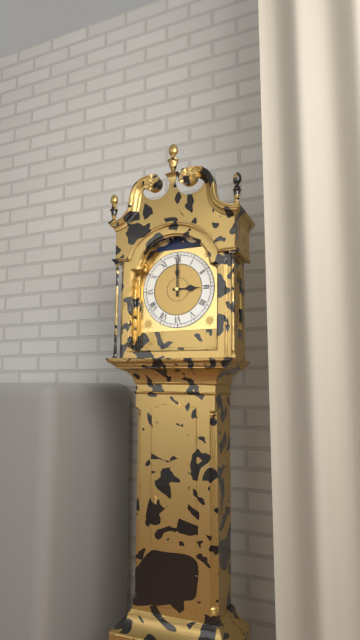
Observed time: 3:00
